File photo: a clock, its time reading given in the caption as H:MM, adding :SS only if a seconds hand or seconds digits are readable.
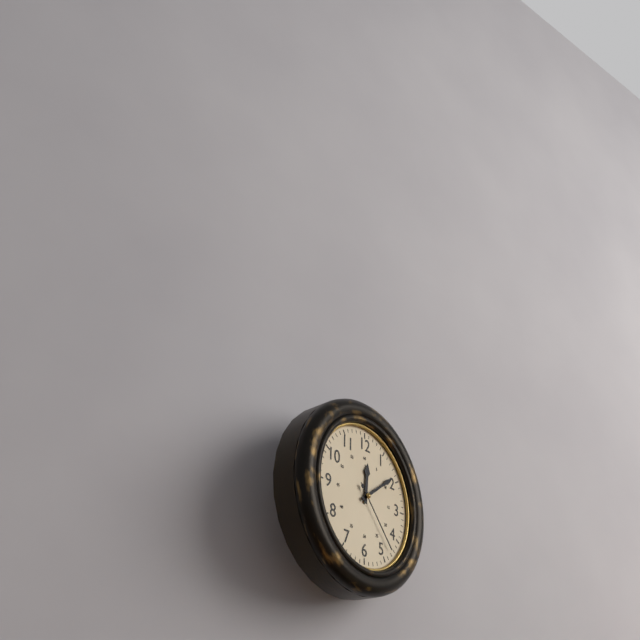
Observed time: 12:09:23
